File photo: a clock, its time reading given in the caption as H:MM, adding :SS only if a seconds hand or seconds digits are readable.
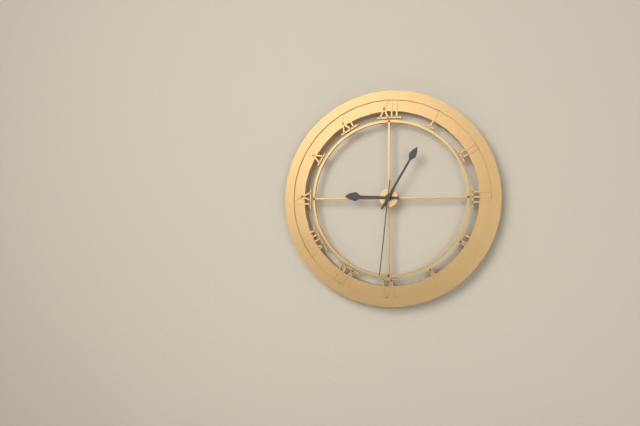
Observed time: 9:05:31
